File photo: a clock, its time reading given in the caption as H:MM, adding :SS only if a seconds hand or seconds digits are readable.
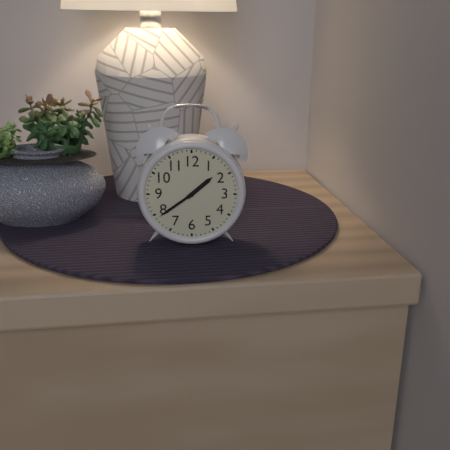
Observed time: 1:39
